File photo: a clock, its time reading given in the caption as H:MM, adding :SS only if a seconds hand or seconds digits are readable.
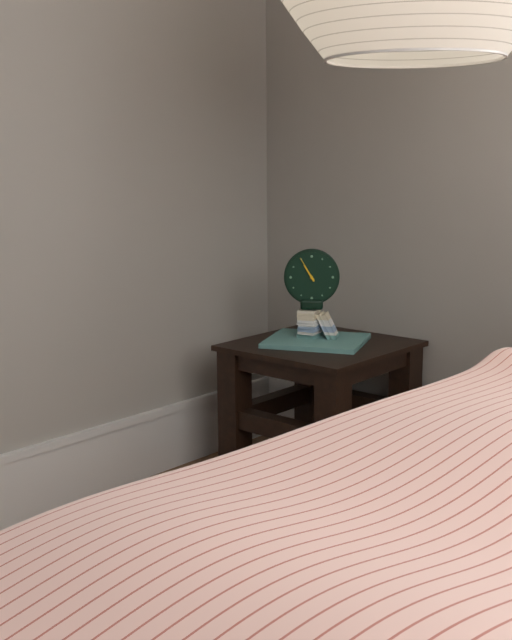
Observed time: 10:55
